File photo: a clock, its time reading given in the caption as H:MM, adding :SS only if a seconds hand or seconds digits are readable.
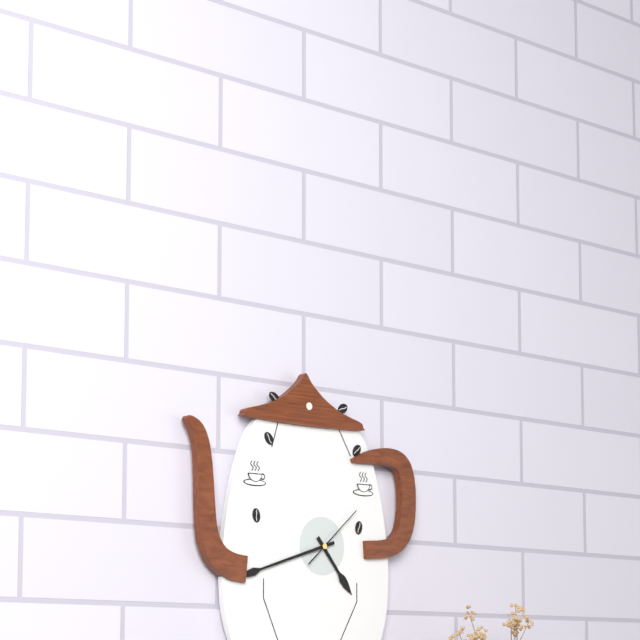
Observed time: 4:42:08
